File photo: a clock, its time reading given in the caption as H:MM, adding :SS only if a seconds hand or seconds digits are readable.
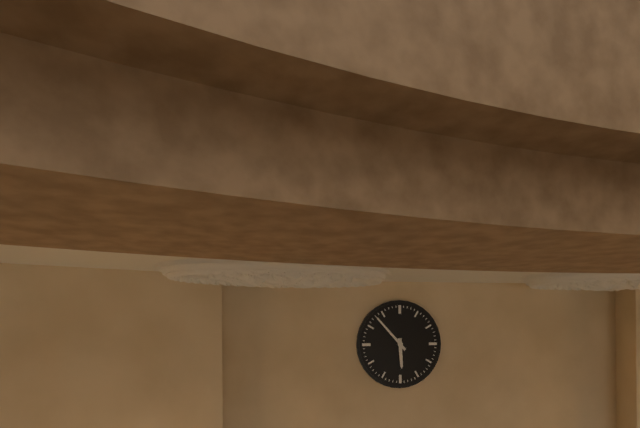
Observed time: 5:53
